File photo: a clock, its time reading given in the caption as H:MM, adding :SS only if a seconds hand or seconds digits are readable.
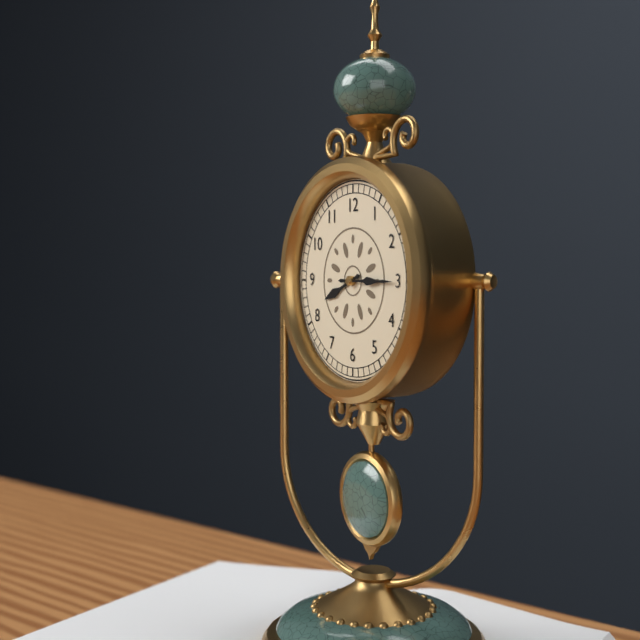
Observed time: 8:15
